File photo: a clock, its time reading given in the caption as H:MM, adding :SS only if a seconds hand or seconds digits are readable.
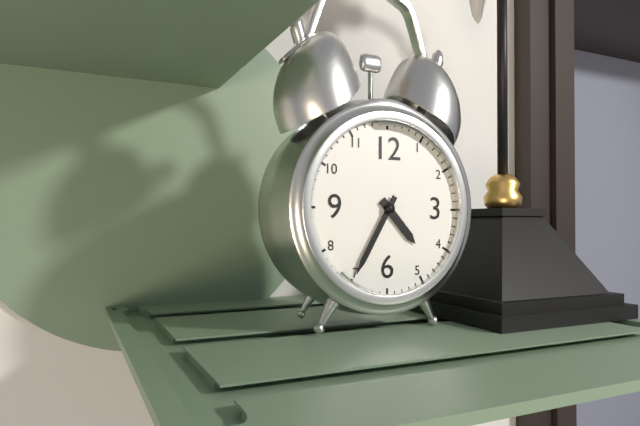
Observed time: 4:35
